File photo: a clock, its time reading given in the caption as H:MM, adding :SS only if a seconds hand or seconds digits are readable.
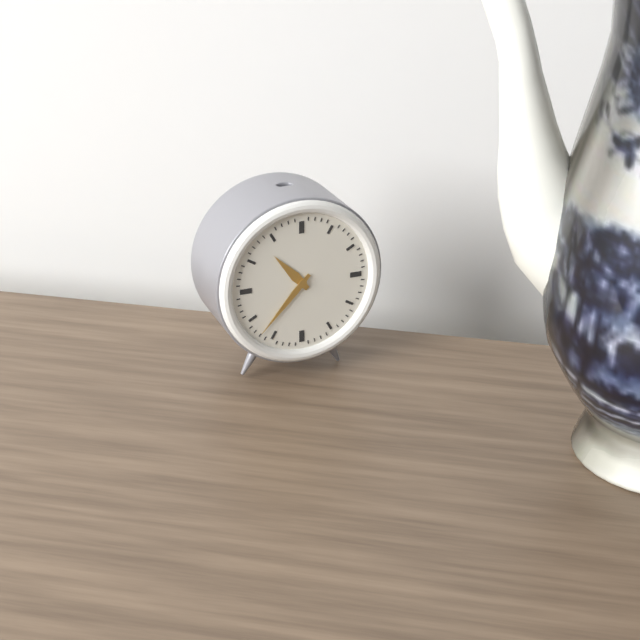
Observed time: 10:37
